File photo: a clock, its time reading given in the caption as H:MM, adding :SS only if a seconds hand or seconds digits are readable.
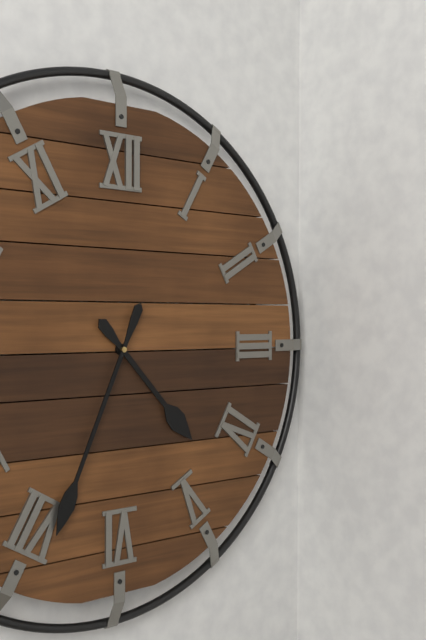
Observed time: 4:34
